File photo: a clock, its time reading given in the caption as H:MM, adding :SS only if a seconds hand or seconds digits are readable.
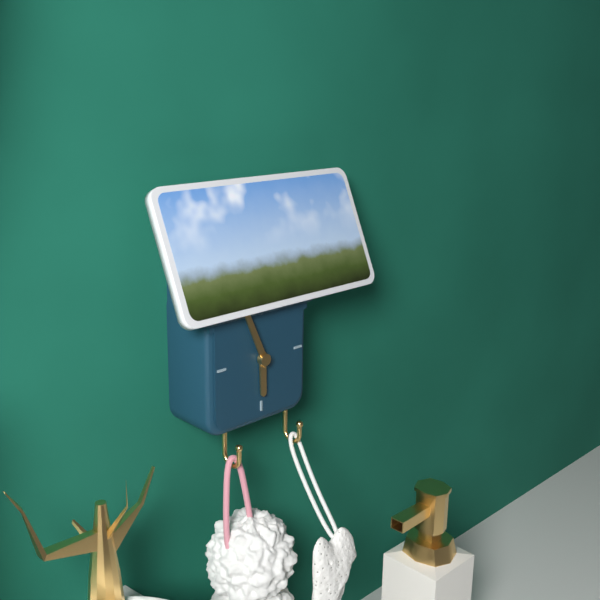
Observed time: 5:56
